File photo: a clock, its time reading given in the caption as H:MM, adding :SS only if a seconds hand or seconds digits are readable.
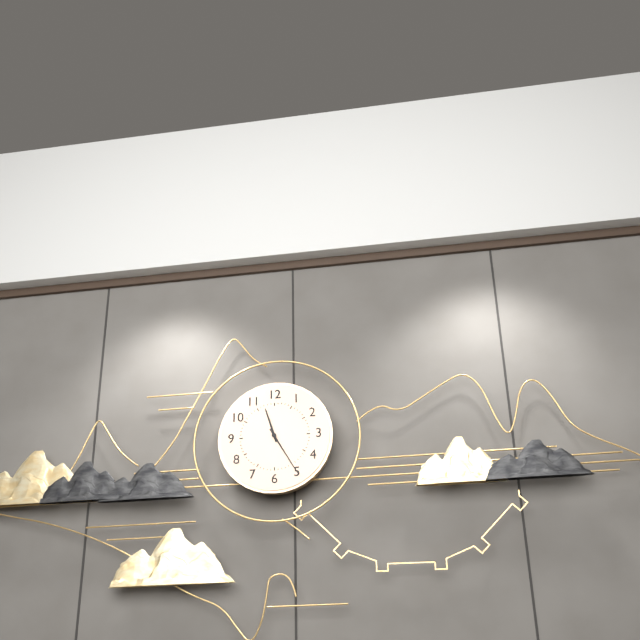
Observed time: 11:25
